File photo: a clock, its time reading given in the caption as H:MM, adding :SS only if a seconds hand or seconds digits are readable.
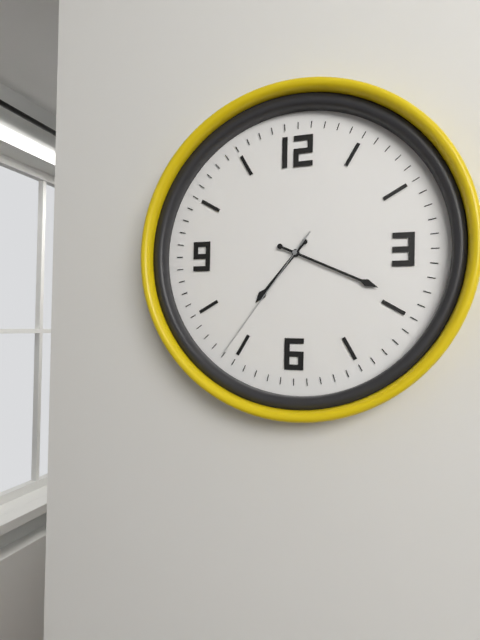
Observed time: 7:19:36
